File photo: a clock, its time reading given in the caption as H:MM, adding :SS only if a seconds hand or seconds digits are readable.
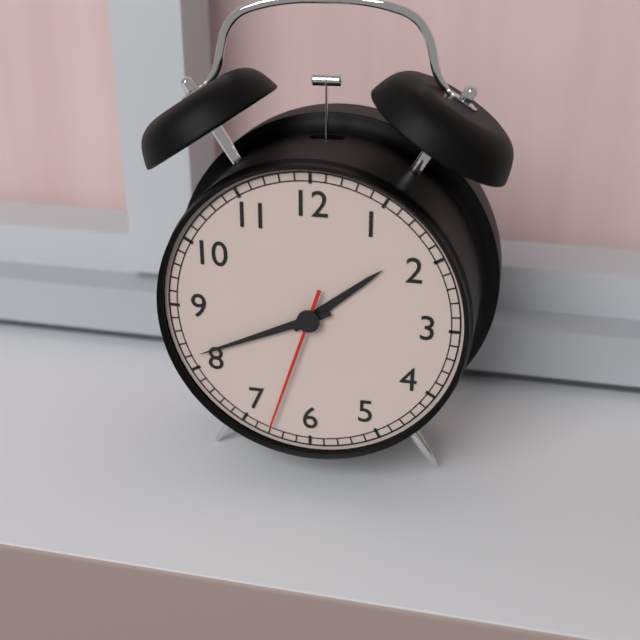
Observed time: 1:41:33
